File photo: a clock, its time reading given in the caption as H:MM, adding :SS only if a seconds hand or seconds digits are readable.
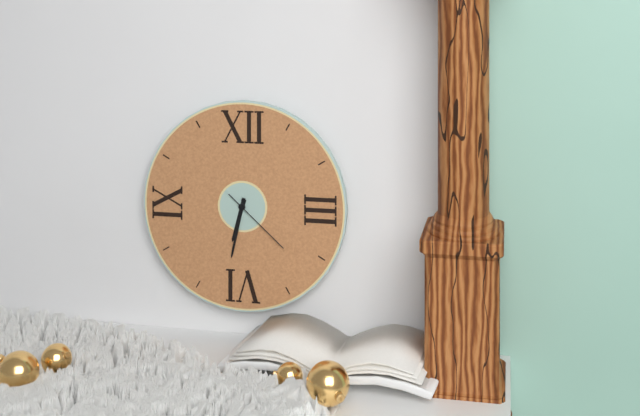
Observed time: 6:32:22
